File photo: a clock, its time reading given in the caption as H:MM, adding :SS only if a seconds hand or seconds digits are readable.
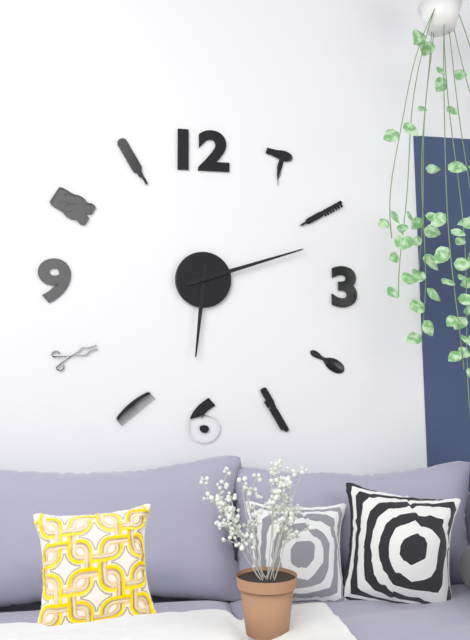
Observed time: 6:12
